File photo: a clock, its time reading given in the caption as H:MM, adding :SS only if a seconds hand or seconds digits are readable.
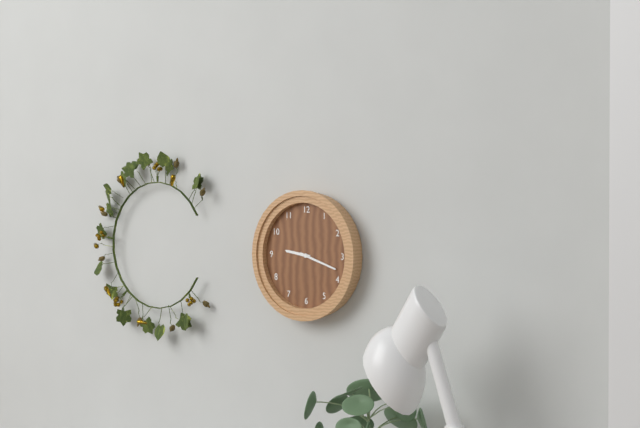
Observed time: 9:18
